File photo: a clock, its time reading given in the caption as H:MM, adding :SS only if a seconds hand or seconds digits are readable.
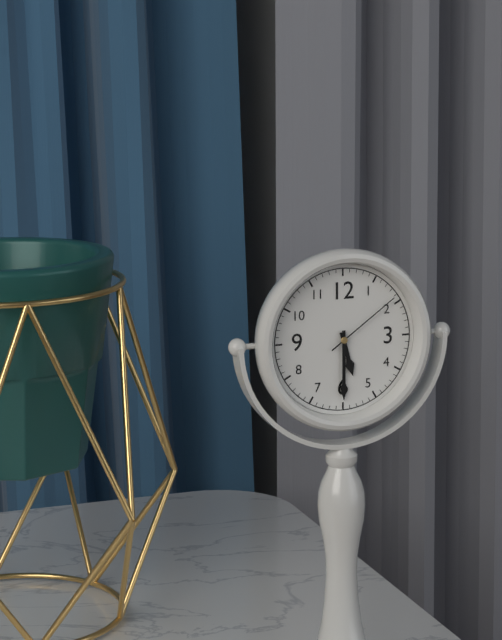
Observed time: 5:30:09
